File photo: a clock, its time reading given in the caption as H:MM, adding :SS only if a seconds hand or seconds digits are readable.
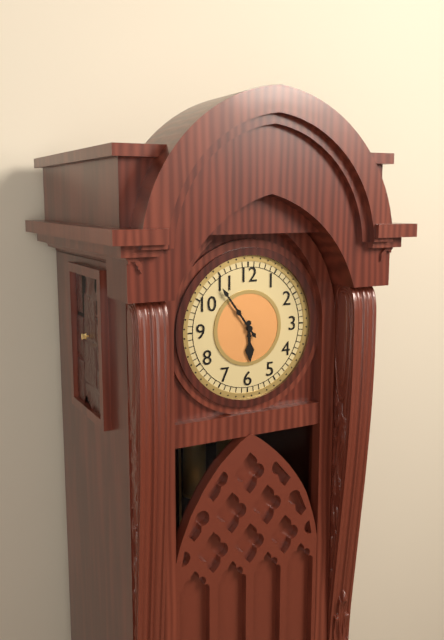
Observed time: 5:54
